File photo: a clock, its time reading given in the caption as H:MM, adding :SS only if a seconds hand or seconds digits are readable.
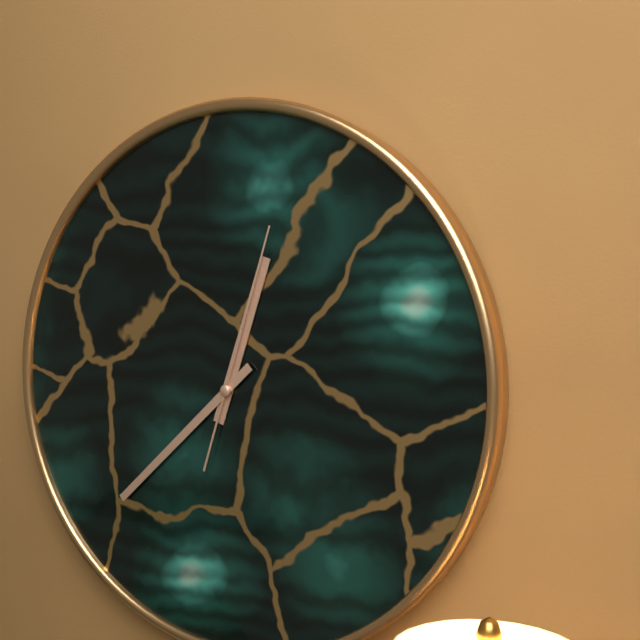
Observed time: 12:38:03
